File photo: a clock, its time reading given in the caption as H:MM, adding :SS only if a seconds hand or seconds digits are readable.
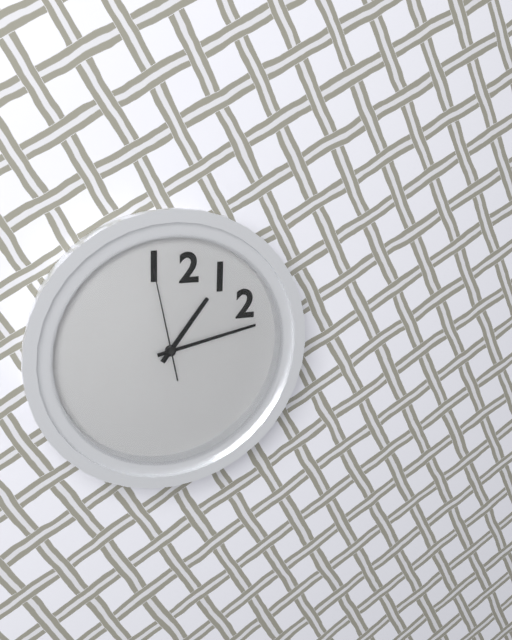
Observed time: 1:13:58
